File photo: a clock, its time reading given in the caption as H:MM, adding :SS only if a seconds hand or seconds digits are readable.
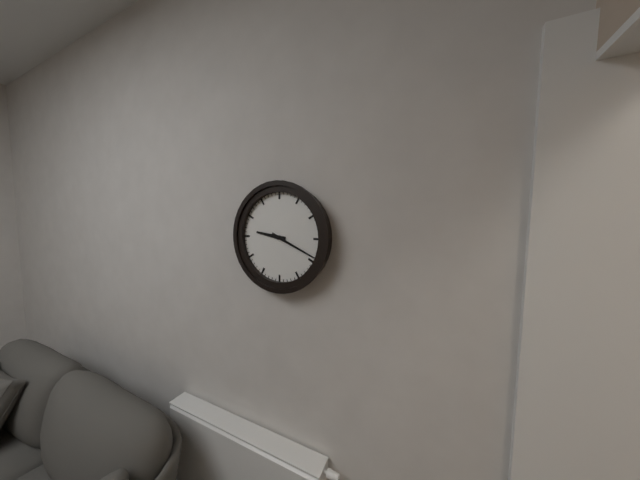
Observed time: 9:19
